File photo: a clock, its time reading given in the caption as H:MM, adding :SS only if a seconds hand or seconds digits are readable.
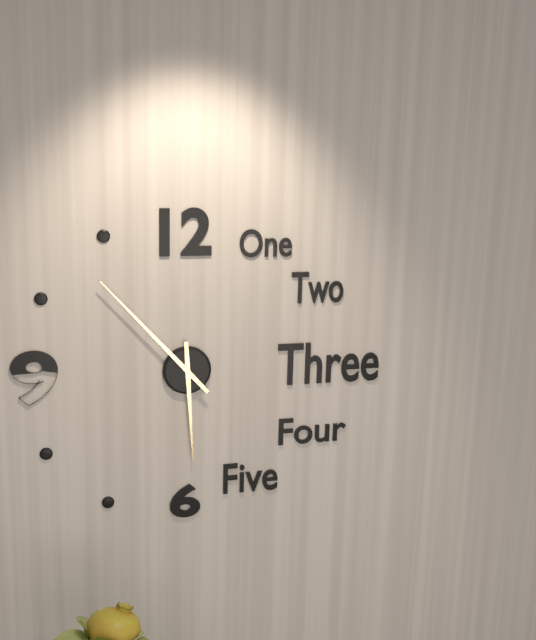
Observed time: 5:53
